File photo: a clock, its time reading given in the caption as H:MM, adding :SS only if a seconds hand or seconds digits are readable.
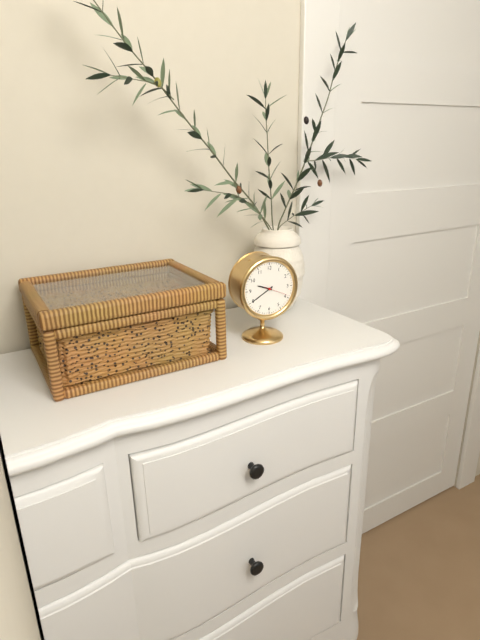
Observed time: 9:40
